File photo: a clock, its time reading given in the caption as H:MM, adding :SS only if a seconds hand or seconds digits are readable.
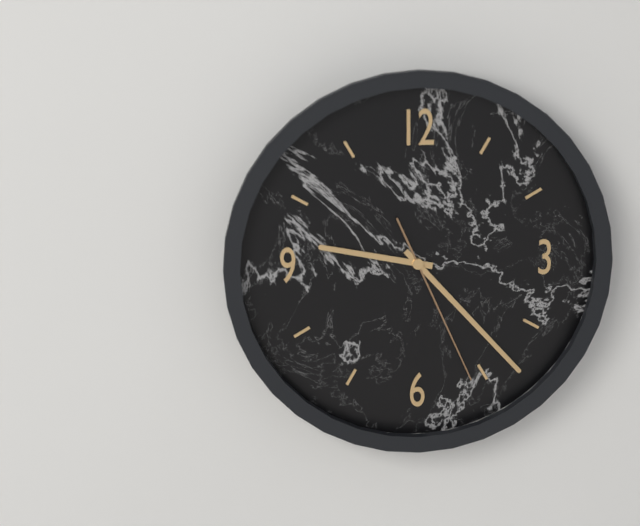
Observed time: 9:23:26
